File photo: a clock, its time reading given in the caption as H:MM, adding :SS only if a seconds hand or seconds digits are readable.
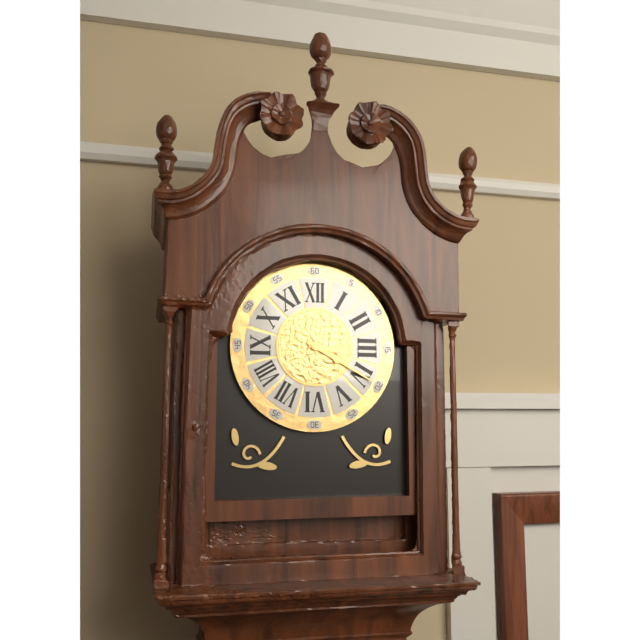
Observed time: 3:20
